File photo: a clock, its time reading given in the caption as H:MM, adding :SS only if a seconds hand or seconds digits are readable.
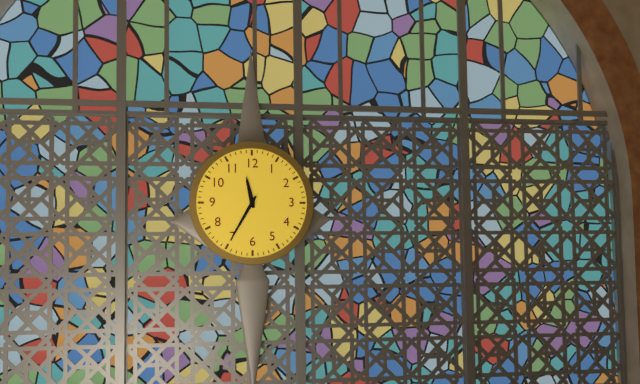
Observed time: 11:35
